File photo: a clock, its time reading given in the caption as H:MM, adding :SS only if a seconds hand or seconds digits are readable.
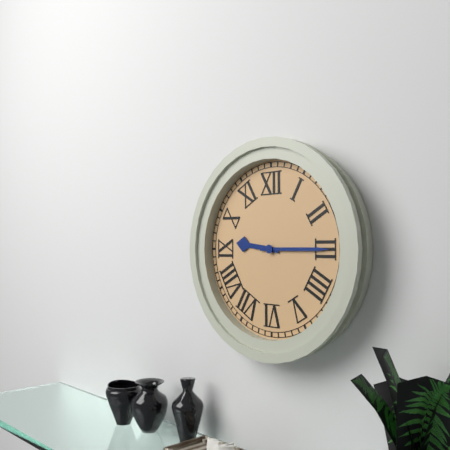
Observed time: 9:15
